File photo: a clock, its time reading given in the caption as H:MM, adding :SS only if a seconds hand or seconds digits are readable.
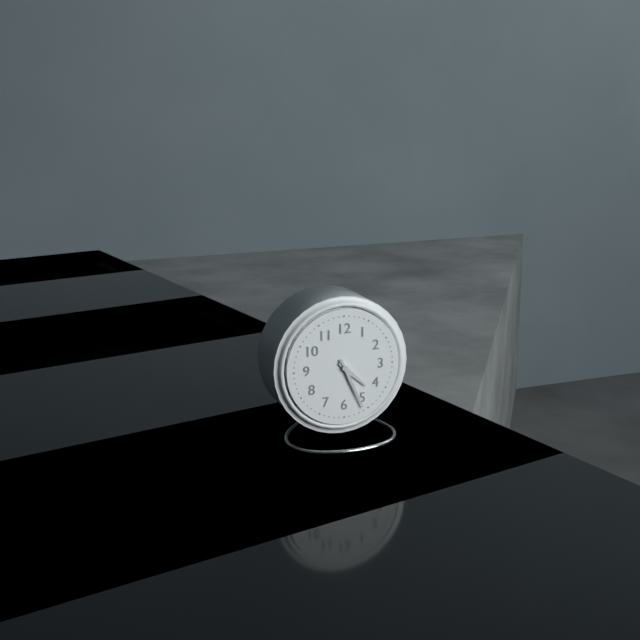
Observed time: 4:26
